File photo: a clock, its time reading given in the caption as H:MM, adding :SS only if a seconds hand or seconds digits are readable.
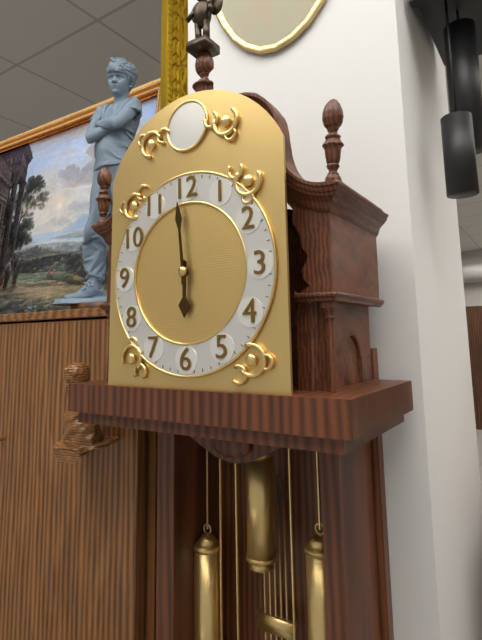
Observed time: 5:59
